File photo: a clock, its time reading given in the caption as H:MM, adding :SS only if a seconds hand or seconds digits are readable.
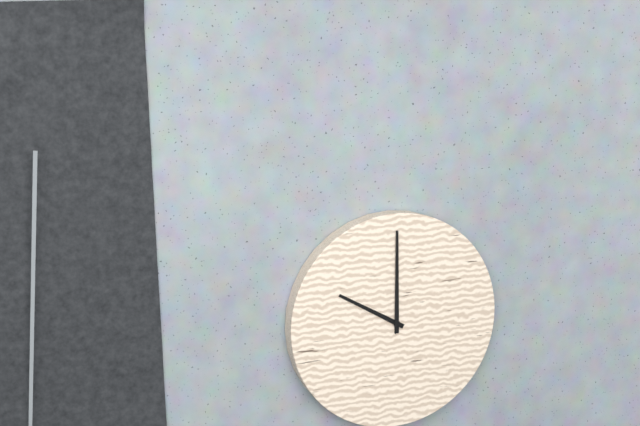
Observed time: 10:00
